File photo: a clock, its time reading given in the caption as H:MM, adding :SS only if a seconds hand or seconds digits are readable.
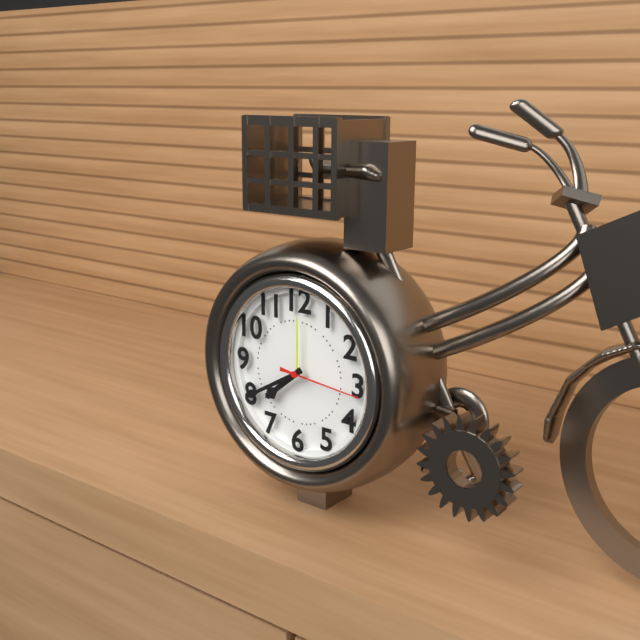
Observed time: 7:40:16
